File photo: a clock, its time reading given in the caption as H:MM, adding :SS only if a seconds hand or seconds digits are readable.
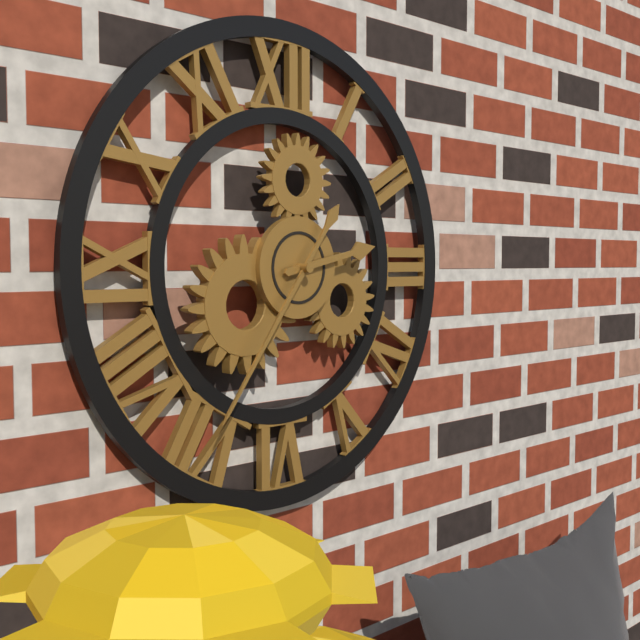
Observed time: 2:36
